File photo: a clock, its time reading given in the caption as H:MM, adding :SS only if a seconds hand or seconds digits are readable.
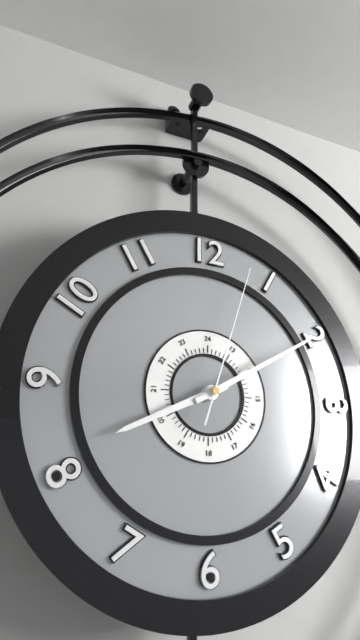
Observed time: 8:10:03
